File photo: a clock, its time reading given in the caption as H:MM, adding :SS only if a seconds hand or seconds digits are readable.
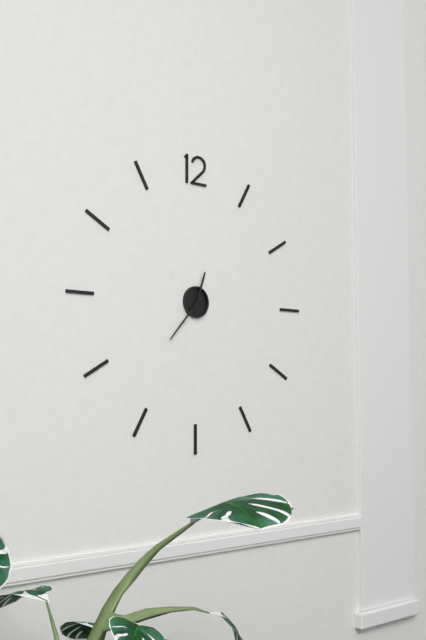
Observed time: 12:37
